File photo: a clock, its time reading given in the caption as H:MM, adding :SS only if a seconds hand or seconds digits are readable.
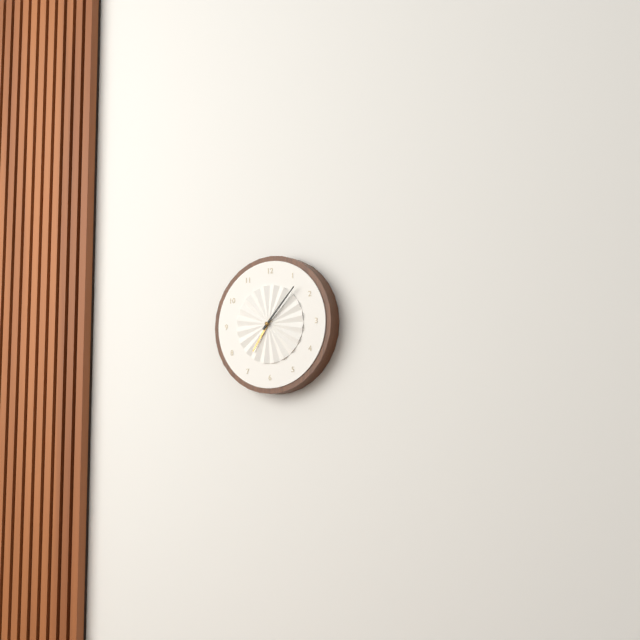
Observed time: 7:07
